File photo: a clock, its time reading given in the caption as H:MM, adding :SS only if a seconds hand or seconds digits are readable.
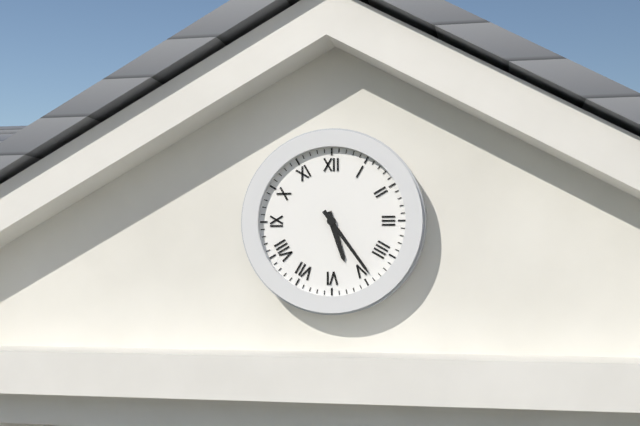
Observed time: 5:24
